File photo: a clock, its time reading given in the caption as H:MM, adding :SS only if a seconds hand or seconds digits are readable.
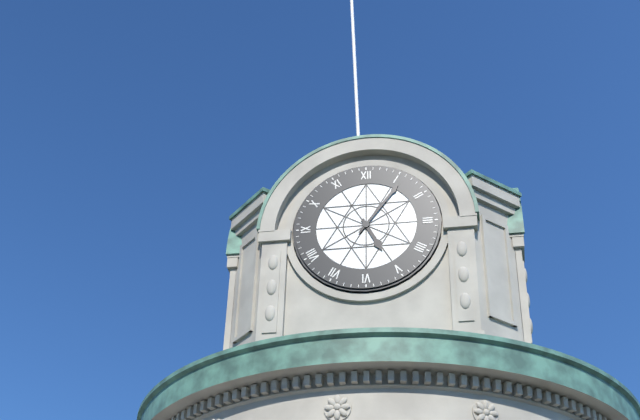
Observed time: 5:06
